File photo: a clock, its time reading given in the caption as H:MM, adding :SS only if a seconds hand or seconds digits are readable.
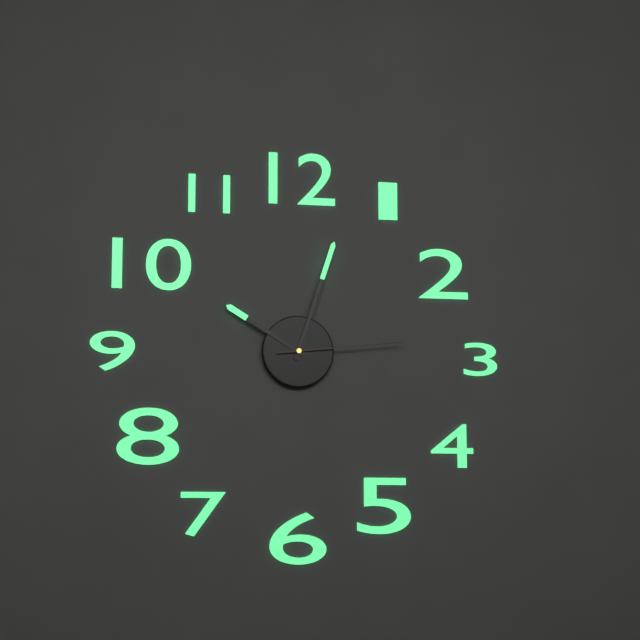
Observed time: 10:03:14
